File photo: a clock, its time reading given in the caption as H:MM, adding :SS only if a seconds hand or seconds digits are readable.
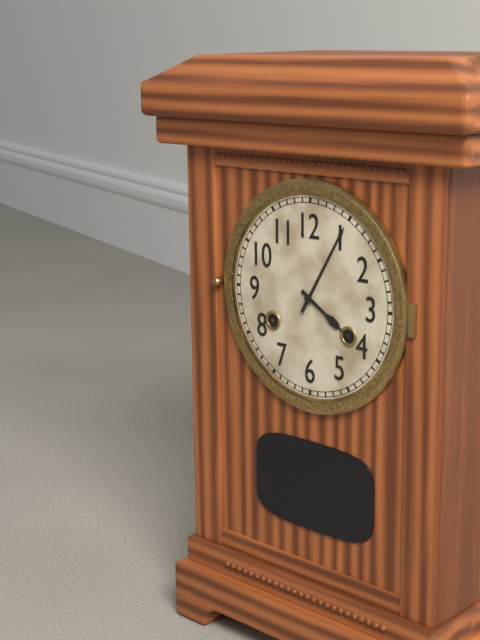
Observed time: 4:05
